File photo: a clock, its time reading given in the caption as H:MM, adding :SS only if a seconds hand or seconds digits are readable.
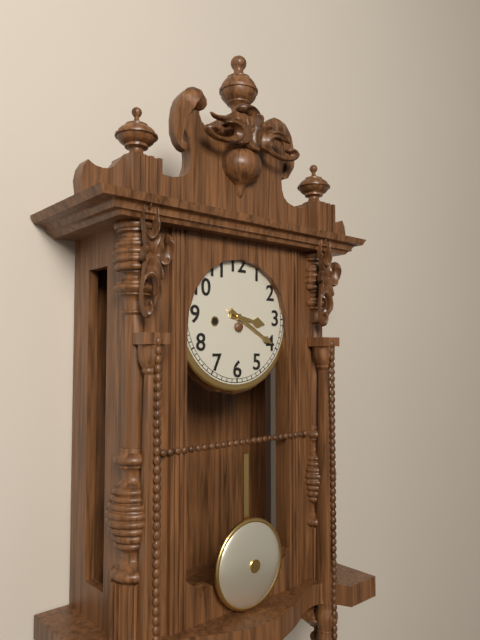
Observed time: 3:20
